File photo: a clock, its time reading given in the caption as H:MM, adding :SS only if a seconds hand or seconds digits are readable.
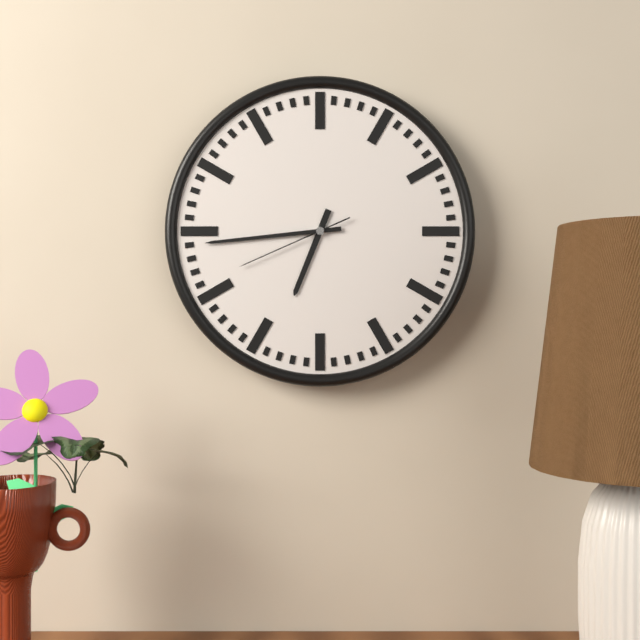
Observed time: 6:44:41
